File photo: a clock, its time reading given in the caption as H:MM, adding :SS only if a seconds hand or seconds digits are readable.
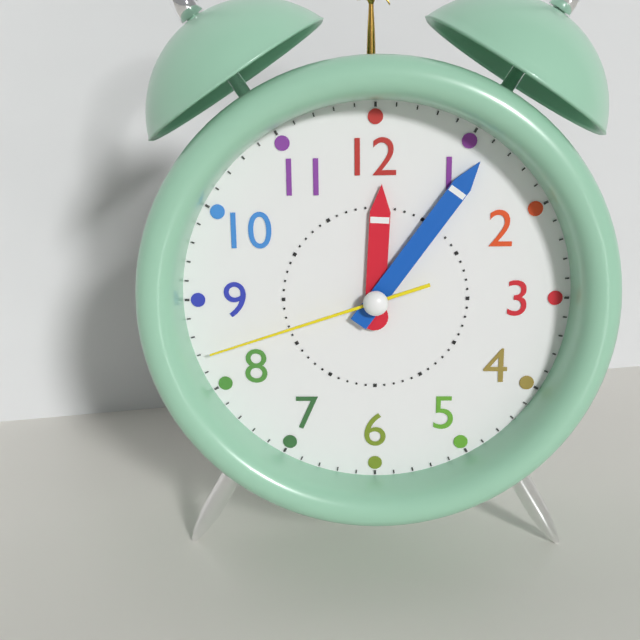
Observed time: 12:06:42
